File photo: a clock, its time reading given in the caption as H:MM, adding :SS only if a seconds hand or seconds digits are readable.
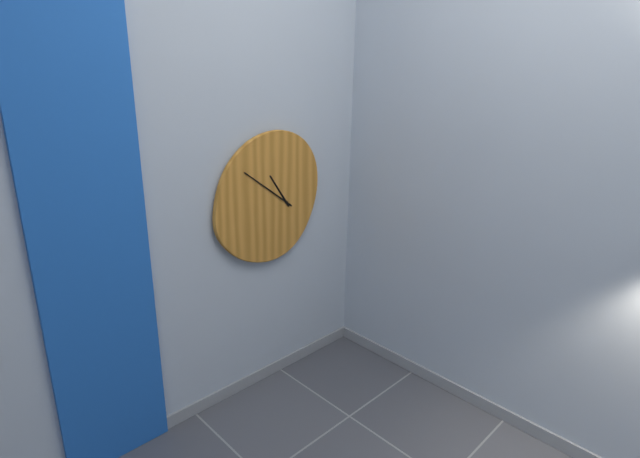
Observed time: 10:51
